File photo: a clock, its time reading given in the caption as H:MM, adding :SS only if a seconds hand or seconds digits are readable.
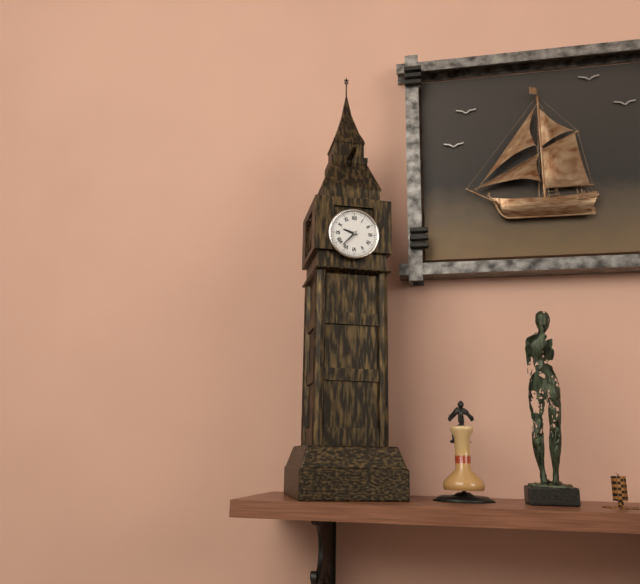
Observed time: 9:37
